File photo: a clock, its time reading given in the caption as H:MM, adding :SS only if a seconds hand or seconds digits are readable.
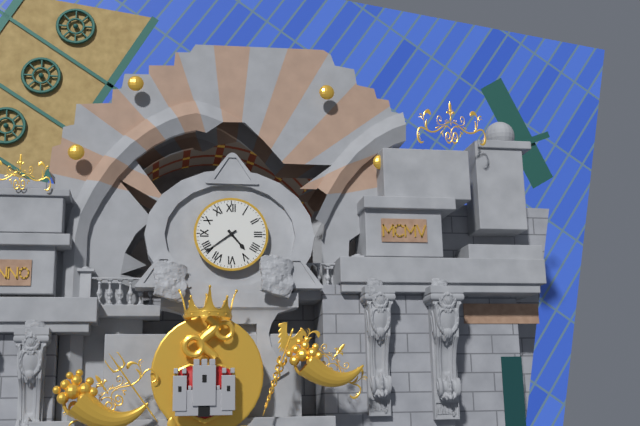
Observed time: 4:39
